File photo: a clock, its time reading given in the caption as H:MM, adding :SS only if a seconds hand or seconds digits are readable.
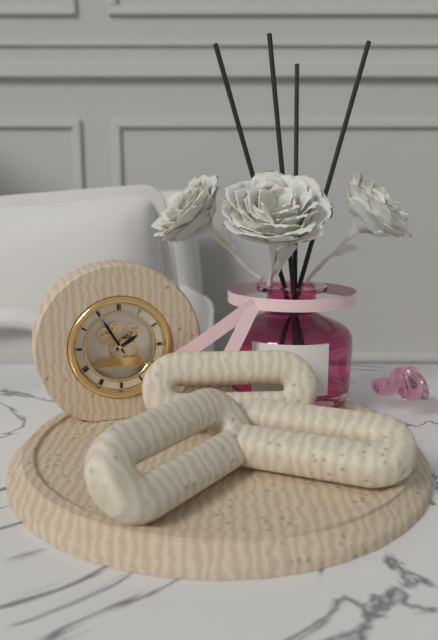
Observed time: 1:55
